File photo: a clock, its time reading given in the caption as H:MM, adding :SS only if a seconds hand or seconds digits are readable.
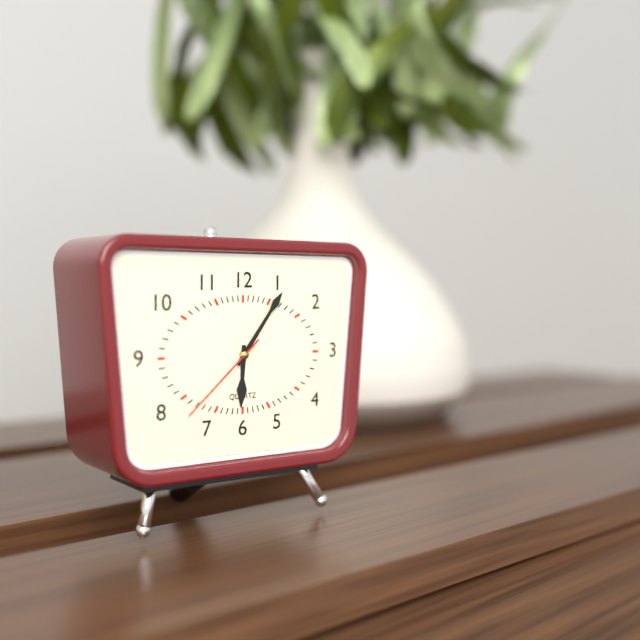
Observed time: 6:06:38
